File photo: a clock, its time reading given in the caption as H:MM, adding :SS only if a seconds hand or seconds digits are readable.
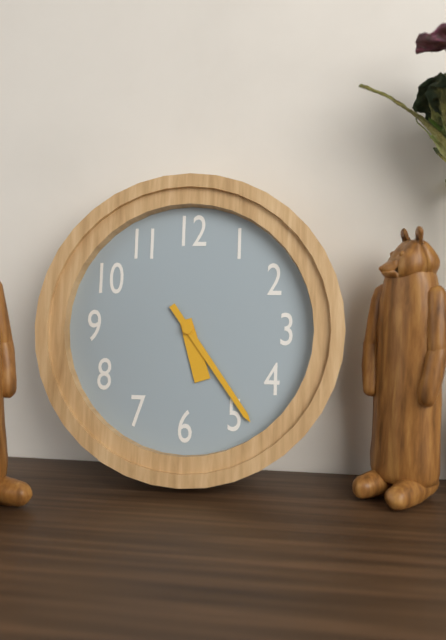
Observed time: 5:24
